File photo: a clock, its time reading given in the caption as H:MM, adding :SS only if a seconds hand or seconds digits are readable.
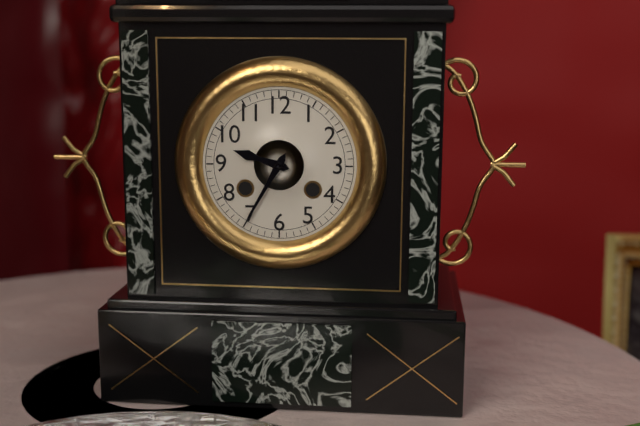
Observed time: 9:35
